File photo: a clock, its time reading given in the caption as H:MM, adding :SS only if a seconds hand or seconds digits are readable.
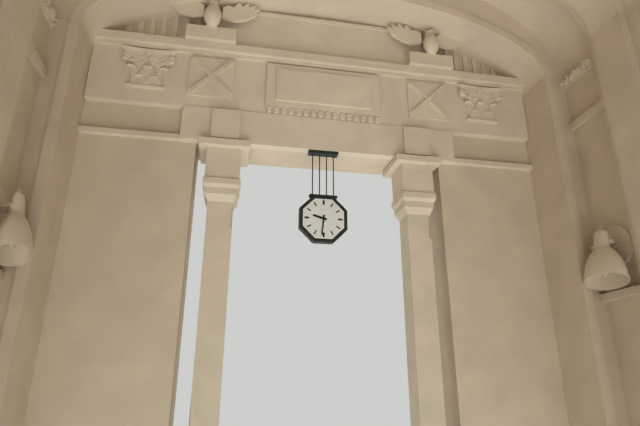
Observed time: 9:31
